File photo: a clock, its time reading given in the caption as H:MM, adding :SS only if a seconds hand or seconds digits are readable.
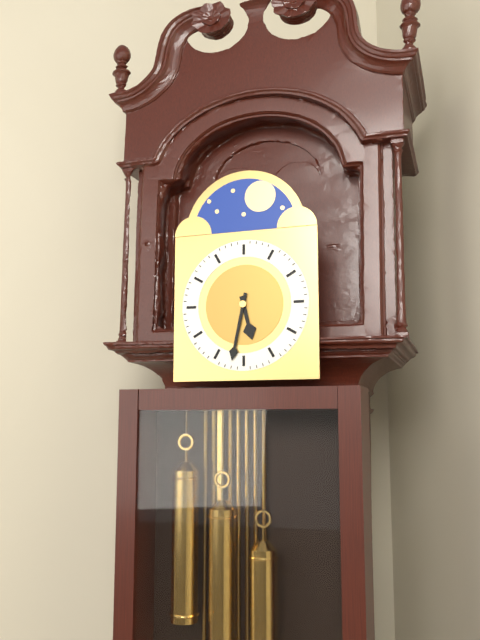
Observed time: 5:32
